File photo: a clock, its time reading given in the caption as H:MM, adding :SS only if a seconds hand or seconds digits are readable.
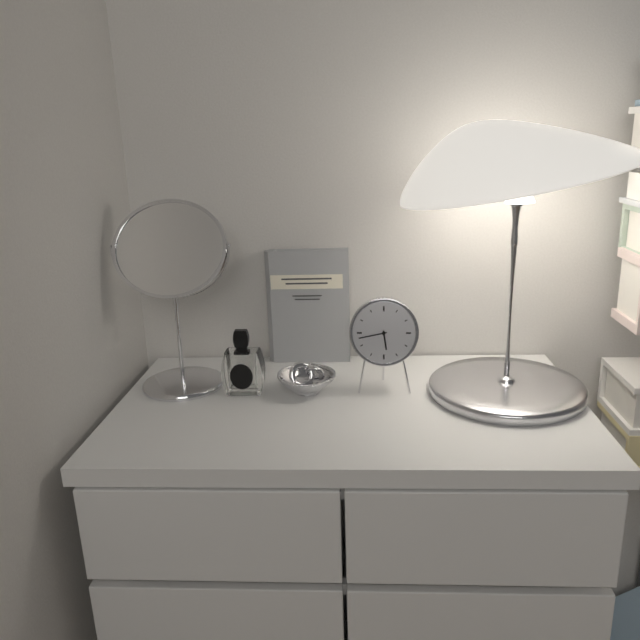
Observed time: 5:43
